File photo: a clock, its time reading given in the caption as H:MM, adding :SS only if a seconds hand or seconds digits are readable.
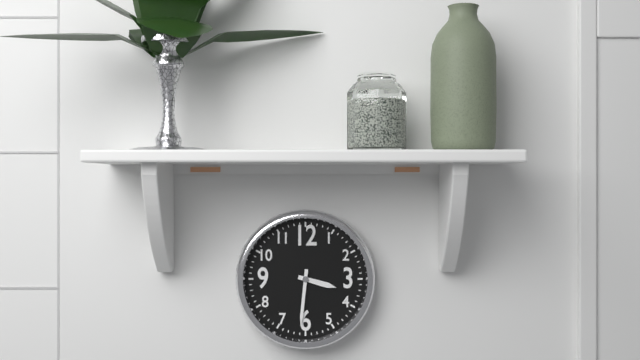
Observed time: 3:31
